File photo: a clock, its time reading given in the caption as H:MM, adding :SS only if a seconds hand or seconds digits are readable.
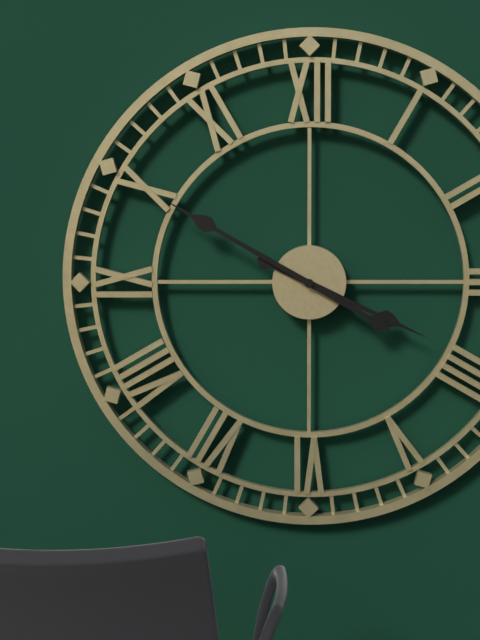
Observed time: 3:50
